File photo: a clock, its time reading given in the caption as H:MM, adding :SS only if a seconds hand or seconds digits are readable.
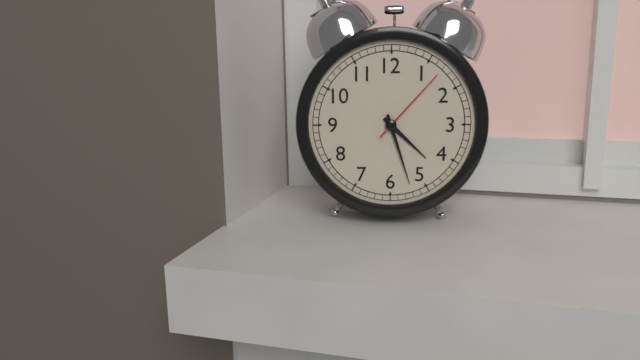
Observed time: 4:27:07
